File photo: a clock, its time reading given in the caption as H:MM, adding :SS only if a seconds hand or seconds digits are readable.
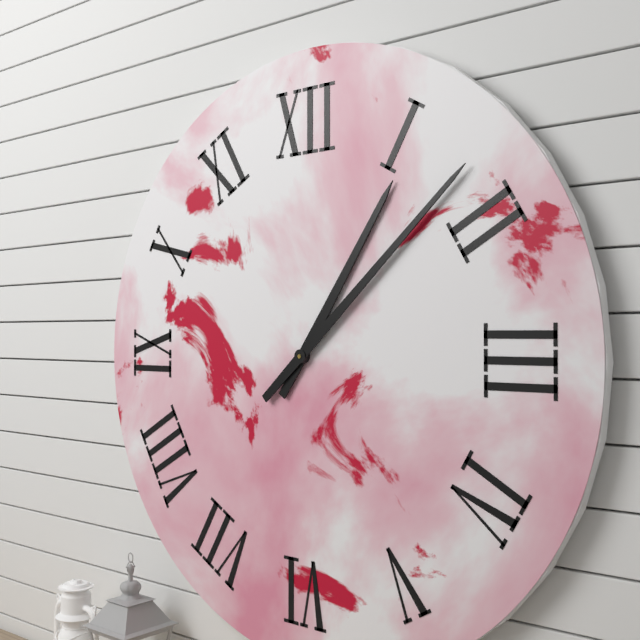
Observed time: 1:08
